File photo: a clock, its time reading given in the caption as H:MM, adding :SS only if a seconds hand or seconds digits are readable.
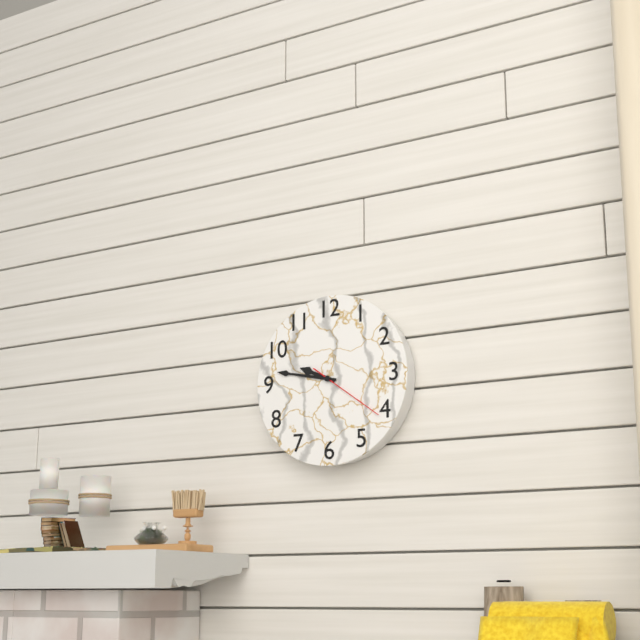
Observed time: 9:47:21
